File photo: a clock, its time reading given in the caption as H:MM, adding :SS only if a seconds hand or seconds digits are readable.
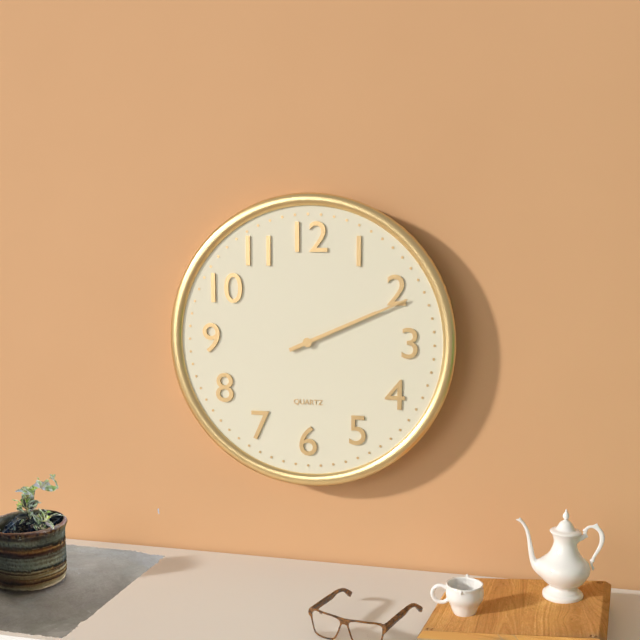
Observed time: 2:11
